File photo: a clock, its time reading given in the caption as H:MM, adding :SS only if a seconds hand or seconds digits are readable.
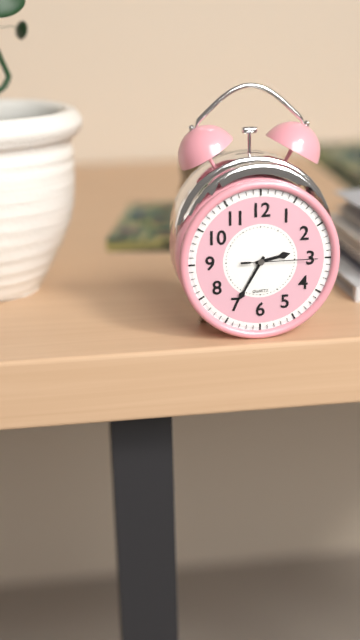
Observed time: 2:35:15
